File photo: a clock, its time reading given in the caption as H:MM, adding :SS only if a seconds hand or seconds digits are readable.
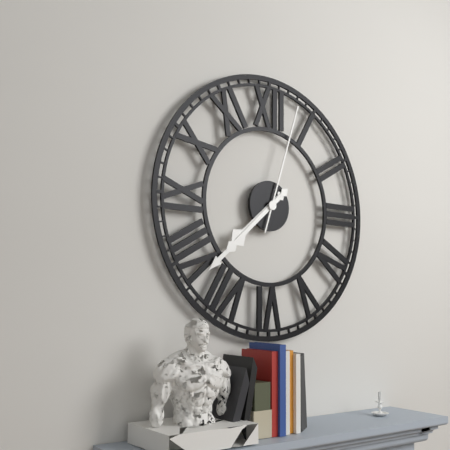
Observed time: 7:38:03
